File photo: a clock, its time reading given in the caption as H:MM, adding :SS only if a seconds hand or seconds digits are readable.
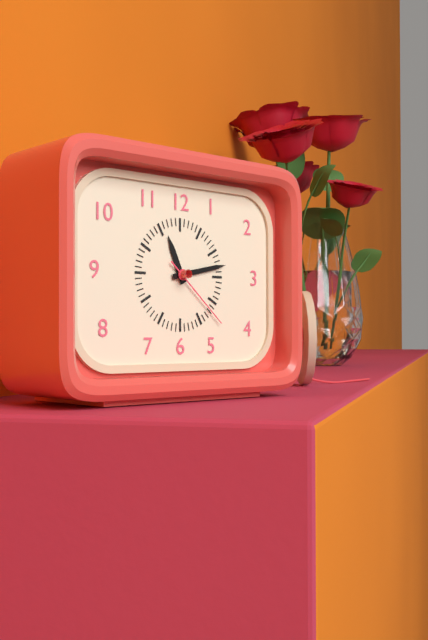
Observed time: 11:13:22
